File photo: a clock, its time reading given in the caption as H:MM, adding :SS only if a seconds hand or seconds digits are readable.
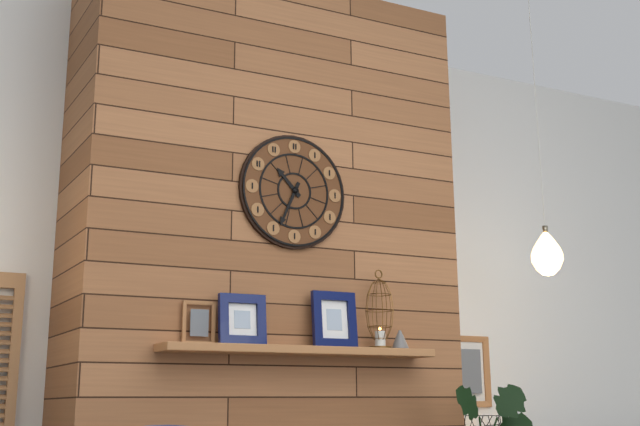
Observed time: 10:34
